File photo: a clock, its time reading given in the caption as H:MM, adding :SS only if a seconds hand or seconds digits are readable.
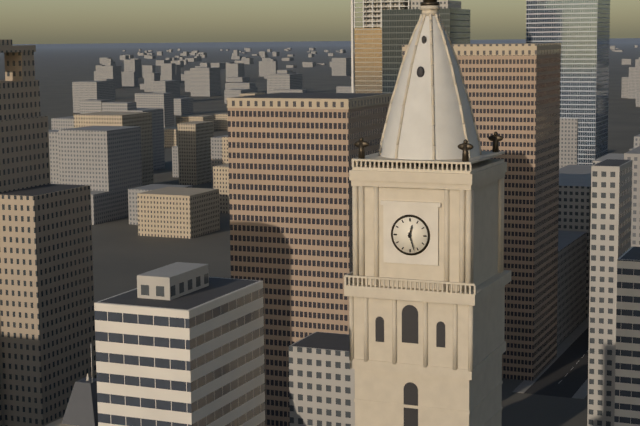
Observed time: 12:27
